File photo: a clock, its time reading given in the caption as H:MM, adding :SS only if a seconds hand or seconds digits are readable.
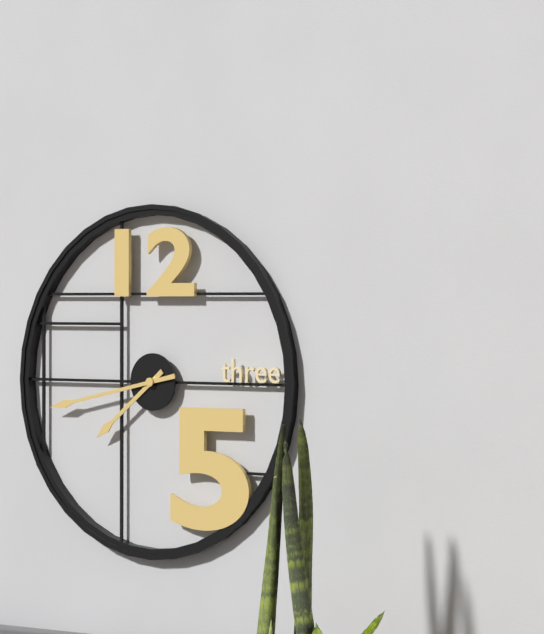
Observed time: 7:43
